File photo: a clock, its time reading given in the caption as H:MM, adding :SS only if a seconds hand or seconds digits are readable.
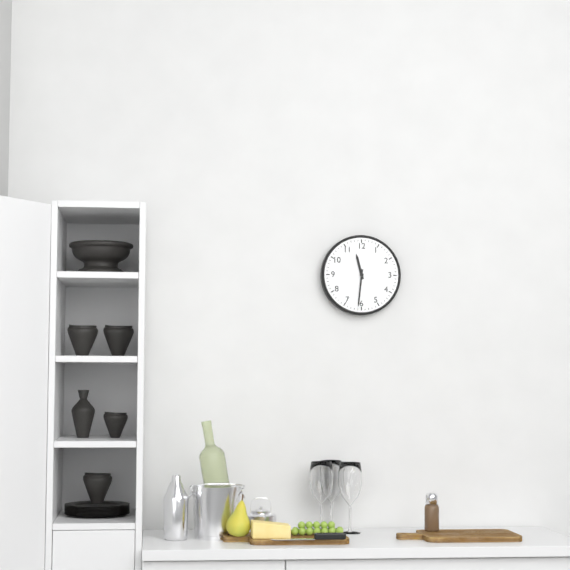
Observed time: 11:31
